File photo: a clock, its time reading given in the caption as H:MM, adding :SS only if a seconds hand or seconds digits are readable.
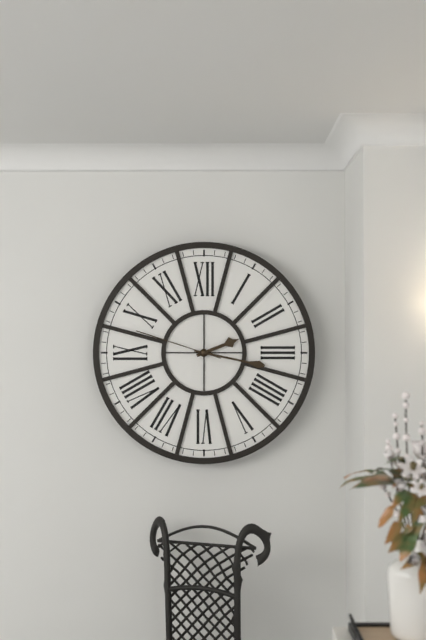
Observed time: 2:17:48
